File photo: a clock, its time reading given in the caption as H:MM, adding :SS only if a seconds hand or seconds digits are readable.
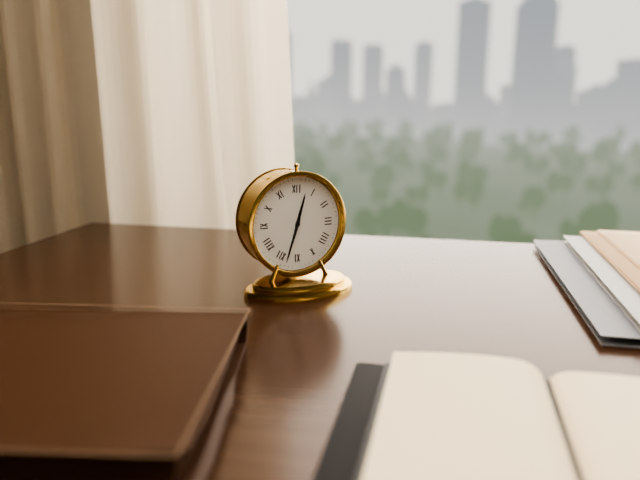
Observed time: 12:33
